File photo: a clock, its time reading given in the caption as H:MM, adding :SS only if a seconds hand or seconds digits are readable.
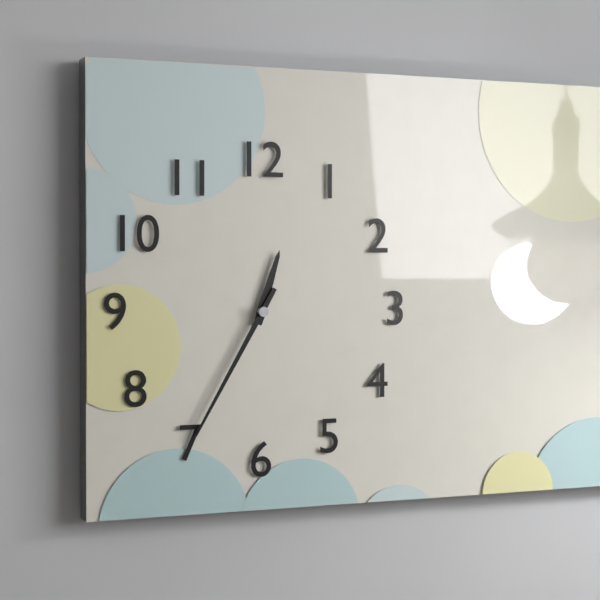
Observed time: 12:35
